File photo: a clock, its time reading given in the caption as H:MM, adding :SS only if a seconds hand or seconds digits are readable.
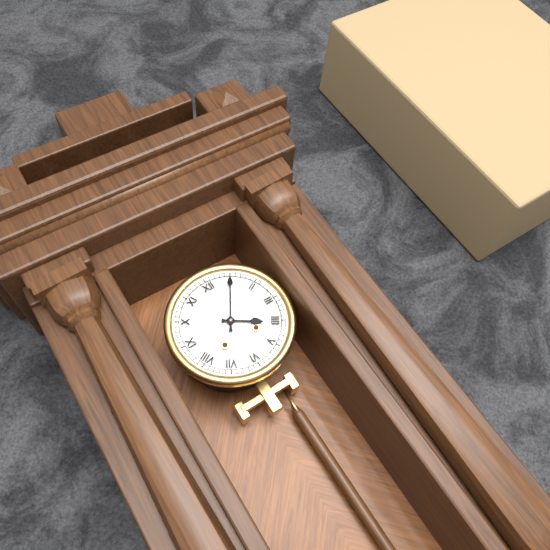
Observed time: 4:05
